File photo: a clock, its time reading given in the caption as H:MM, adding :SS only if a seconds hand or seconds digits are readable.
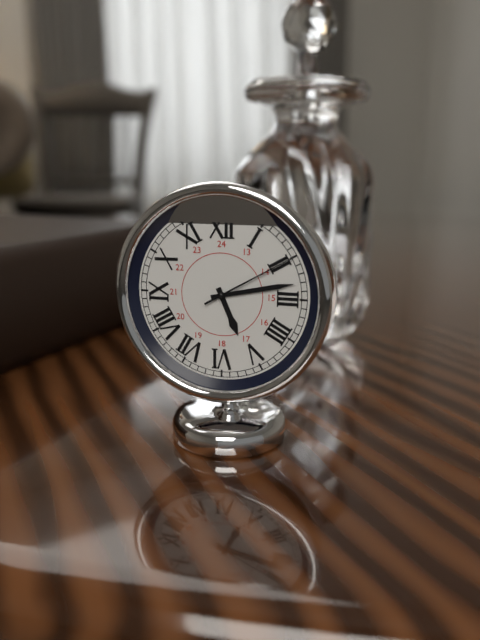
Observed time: 5:13:10
